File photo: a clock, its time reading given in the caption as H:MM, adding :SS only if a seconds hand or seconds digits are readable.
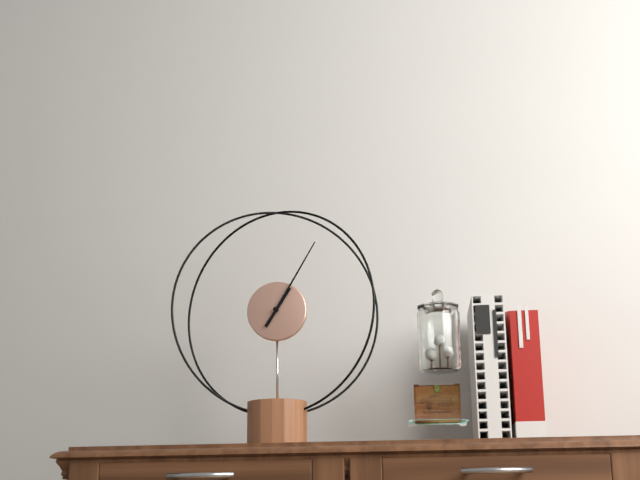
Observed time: 1:05
